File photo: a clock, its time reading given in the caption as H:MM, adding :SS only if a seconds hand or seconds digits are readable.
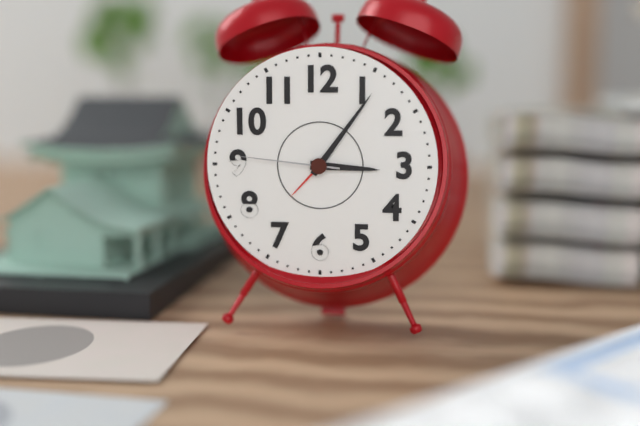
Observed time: 3:06:46
